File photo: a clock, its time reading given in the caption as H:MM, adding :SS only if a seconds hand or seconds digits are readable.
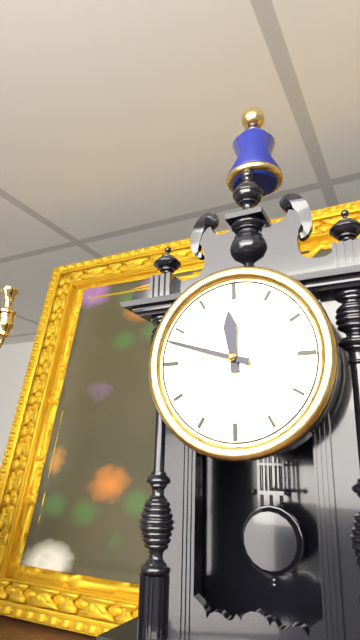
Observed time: 11:48
